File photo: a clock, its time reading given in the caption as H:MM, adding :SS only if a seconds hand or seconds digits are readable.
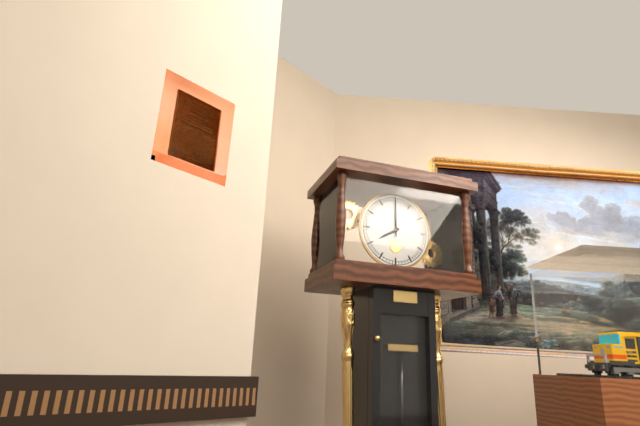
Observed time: 8:00
